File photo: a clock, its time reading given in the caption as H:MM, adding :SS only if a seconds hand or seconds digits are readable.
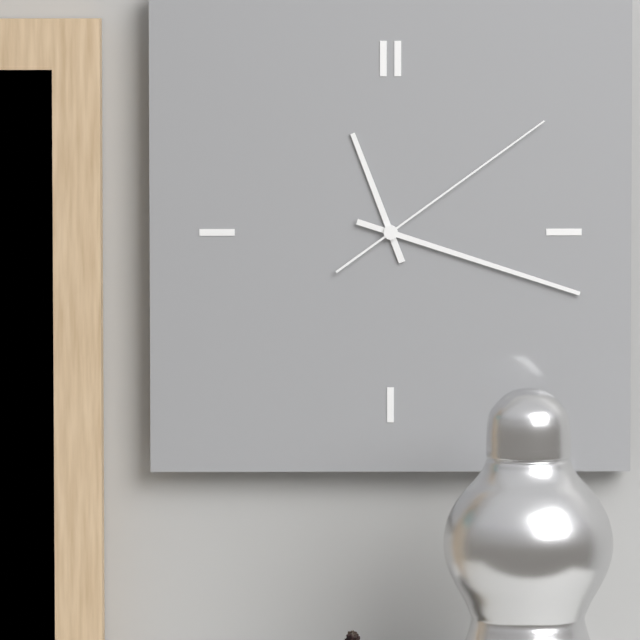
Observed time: 11:18:09
